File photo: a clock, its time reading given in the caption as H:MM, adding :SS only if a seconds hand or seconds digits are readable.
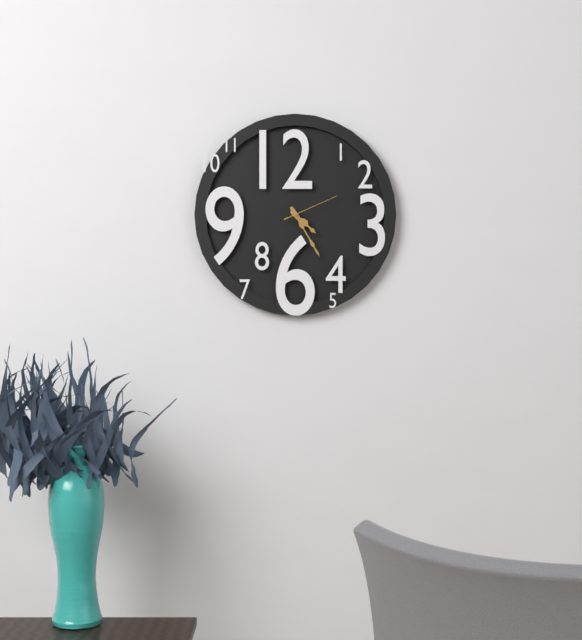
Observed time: 4:25:11
